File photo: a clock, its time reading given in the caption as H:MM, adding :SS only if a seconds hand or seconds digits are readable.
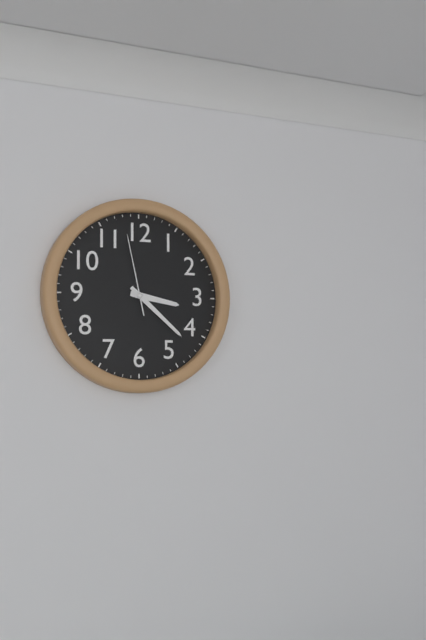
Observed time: 3:22:58
